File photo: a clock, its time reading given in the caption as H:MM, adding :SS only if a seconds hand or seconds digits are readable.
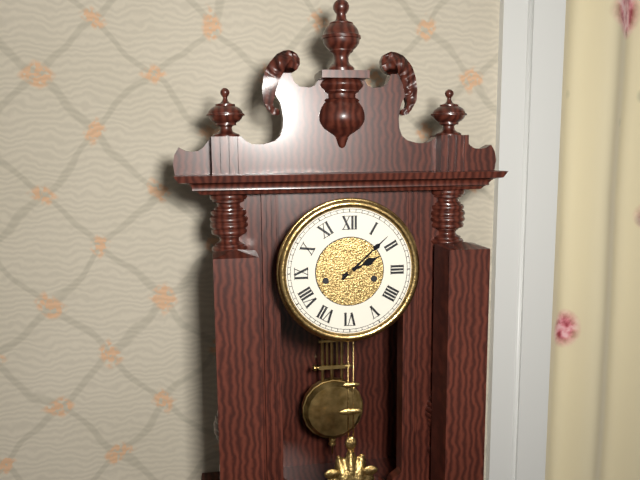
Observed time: 2:08
